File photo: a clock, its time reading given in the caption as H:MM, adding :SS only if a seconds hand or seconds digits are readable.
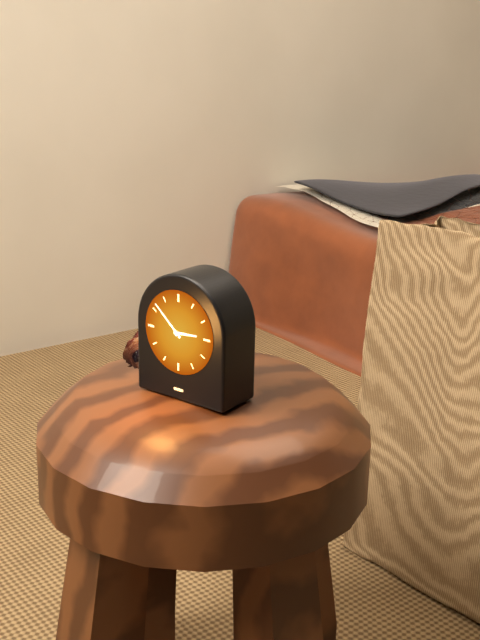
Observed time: 2:52
